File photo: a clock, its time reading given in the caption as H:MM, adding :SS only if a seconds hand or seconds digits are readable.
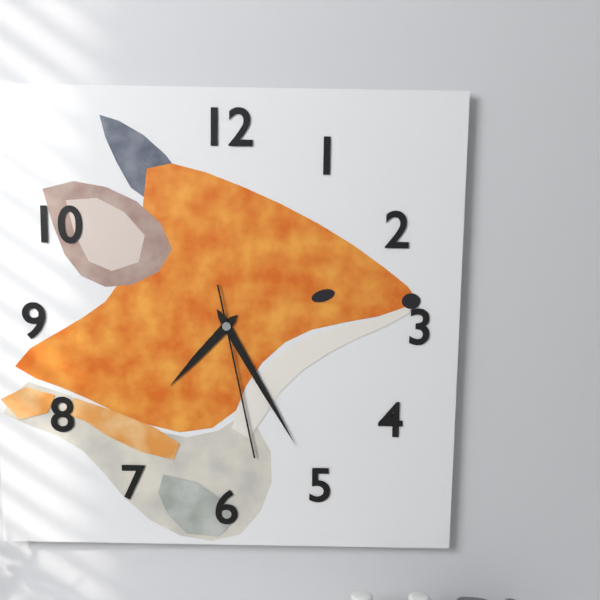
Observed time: 7:25:28
